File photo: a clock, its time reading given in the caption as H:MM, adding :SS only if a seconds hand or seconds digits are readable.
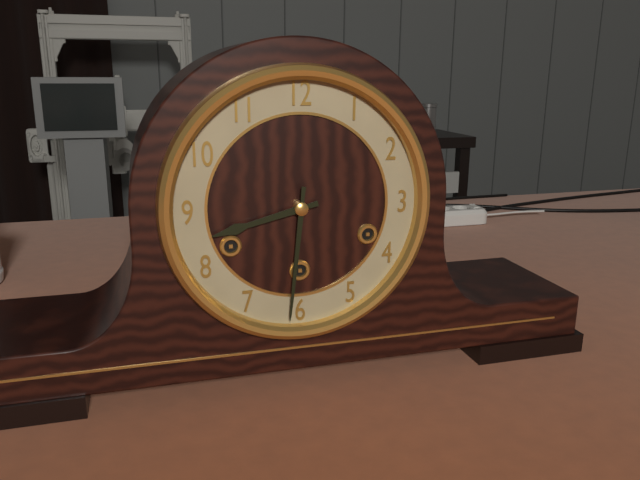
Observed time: 8:31
